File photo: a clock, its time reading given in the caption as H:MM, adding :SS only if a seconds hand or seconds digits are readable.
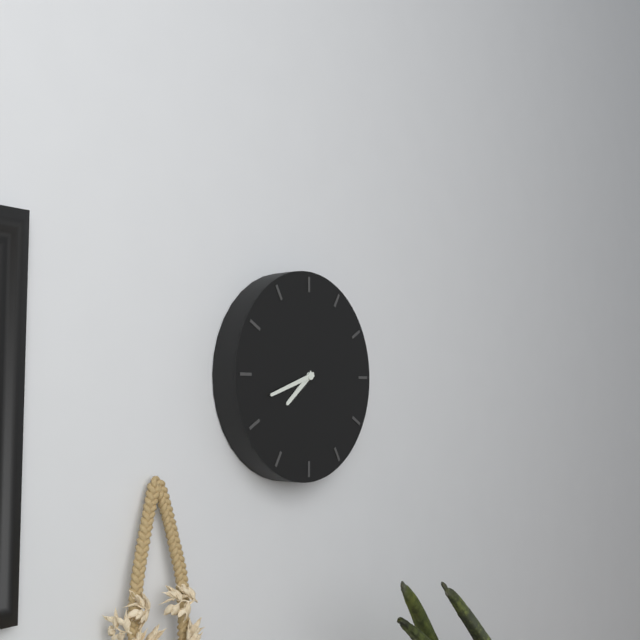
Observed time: 7:42
